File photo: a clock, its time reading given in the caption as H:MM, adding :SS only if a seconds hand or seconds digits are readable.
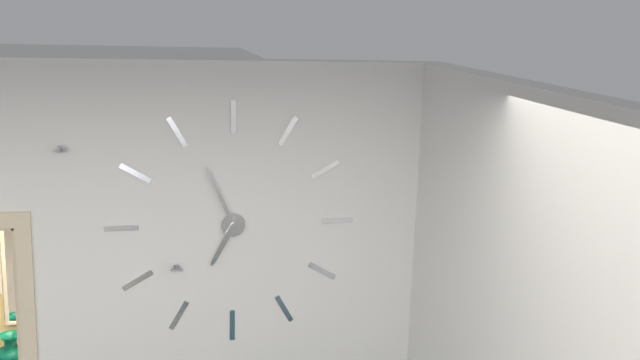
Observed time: 6:56
